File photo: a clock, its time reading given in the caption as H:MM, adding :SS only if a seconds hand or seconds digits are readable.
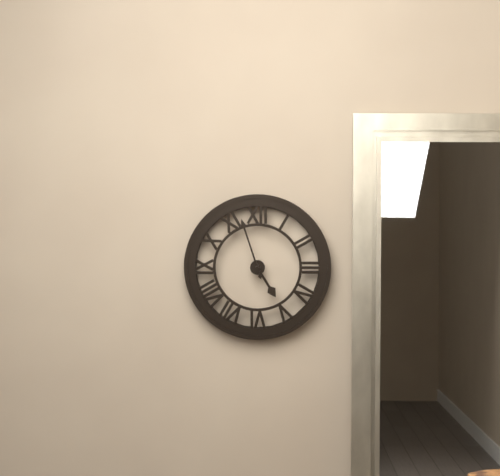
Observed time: 4:57
